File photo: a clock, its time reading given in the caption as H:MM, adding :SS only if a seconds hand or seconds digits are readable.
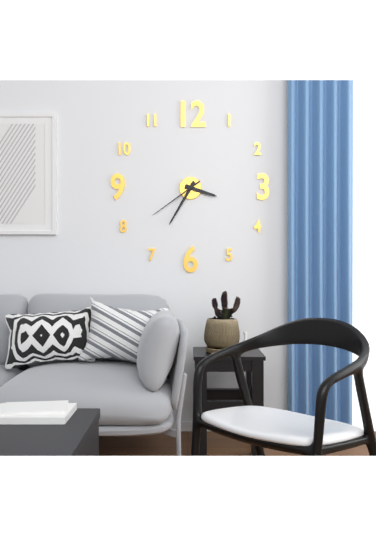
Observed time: 3:35:39
